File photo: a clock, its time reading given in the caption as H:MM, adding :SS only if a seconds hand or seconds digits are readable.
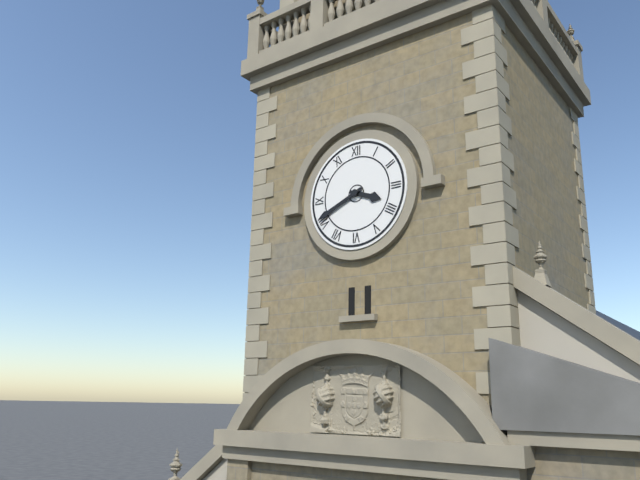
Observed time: 3:41
